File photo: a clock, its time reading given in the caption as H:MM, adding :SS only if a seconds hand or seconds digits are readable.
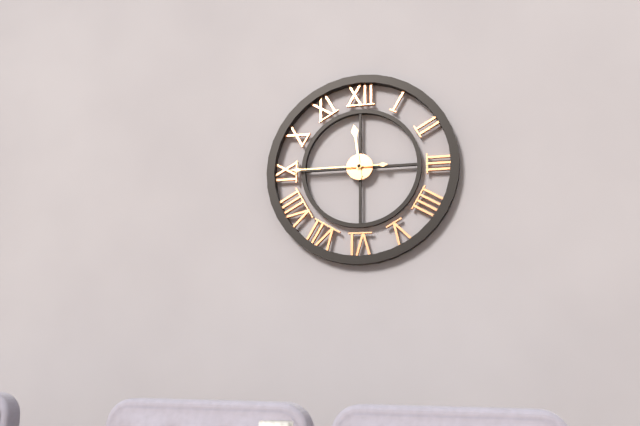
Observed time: 11:45
